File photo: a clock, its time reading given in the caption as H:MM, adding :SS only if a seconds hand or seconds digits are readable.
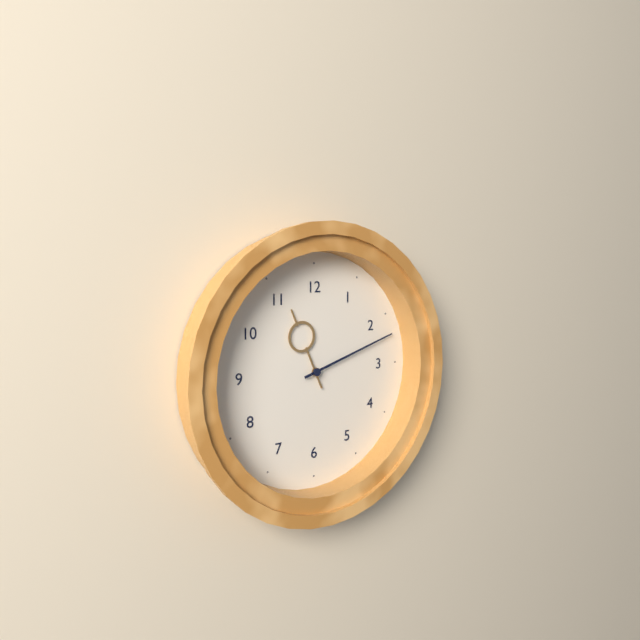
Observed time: 11:12
